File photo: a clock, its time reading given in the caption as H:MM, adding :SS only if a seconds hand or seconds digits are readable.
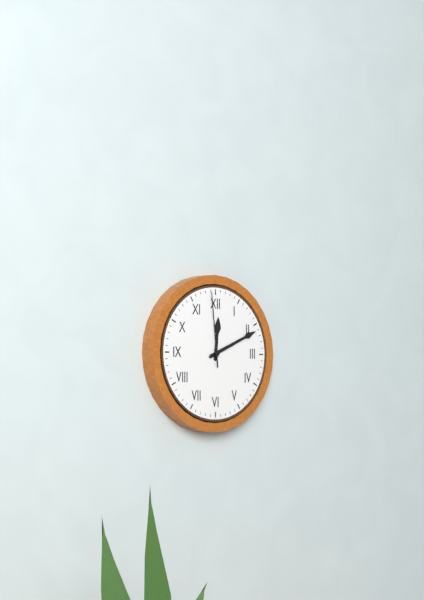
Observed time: 12:11:59
